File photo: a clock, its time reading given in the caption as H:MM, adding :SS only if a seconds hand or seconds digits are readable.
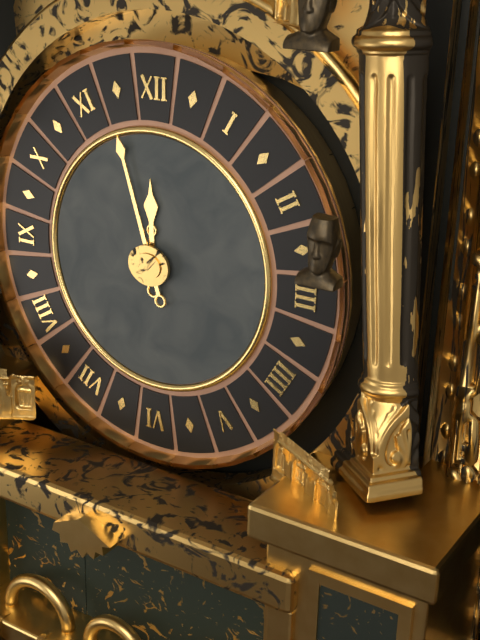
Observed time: 11:57
